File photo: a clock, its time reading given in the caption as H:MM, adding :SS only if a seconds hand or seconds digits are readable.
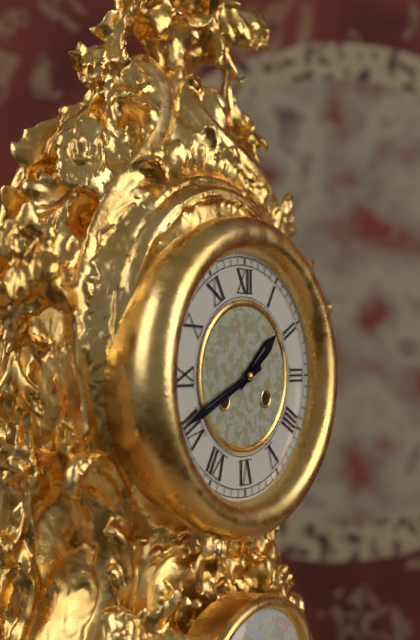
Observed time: 1:41
